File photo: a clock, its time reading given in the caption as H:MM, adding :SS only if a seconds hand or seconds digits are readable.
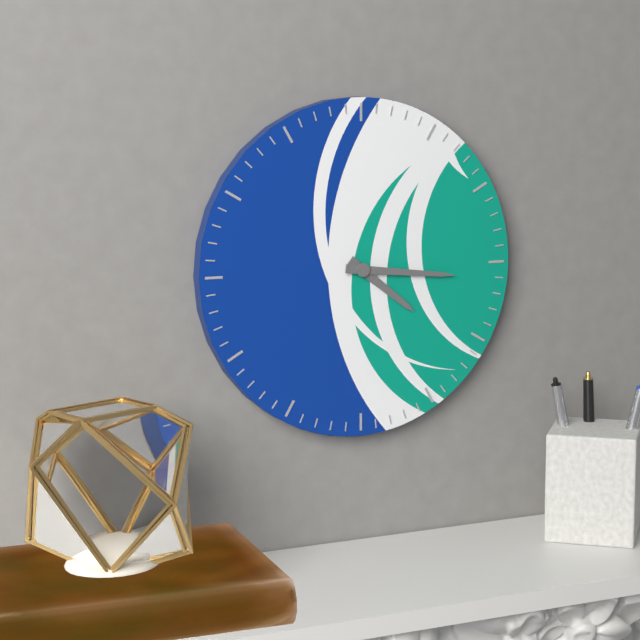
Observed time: 4:16
